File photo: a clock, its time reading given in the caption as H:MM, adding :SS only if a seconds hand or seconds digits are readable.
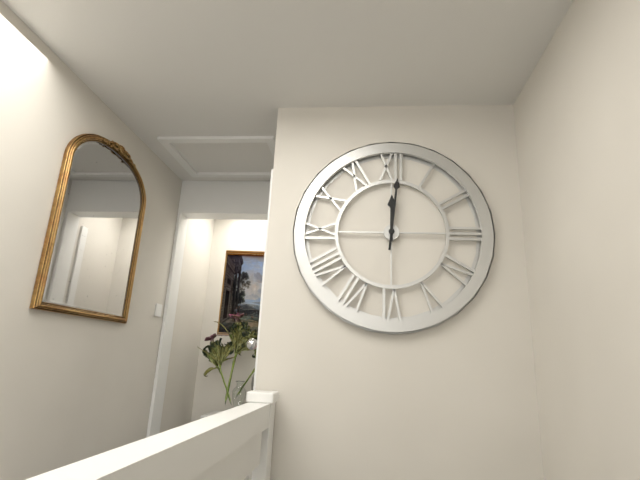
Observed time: 12:01
